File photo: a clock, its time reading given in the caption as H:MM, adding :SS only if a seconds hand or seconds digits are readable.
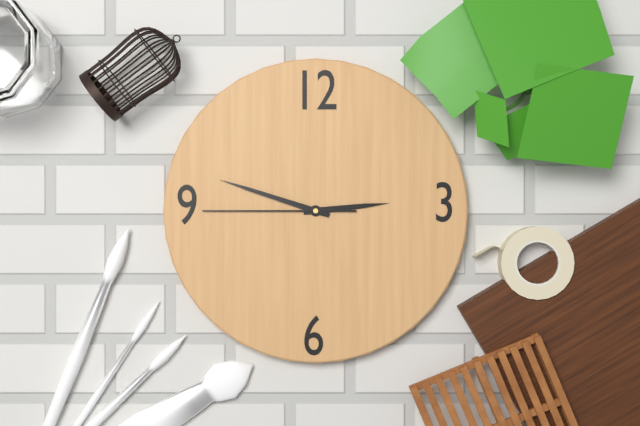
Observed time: 2:48:45
